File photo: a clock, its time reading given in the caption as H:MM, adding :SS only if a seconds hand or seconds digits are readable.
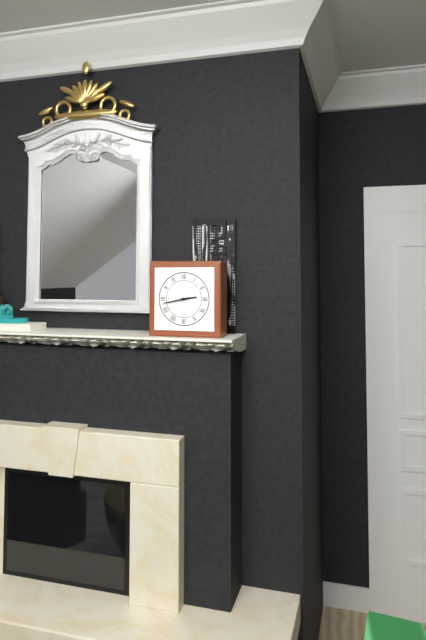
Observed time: 2:43
